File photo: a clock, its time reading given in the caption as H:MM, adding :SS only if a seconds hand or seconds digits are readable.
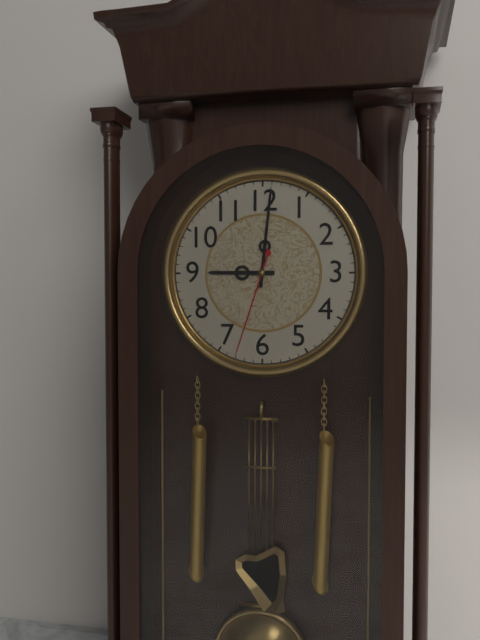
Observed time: 9:01:33
